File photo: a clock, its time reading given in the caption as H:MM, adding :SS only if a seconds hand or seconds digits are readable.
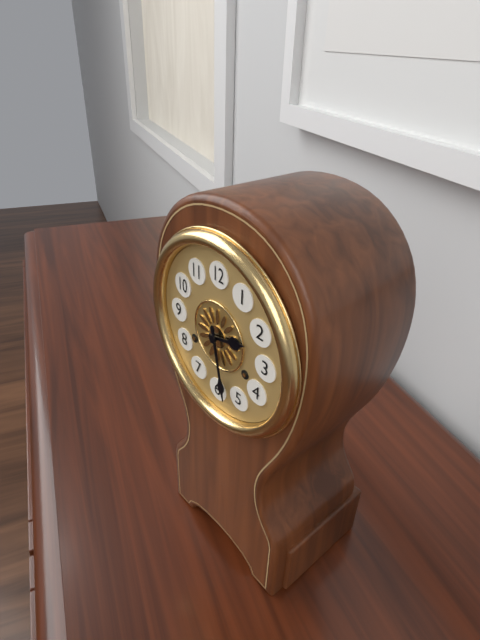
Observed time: 2:28
